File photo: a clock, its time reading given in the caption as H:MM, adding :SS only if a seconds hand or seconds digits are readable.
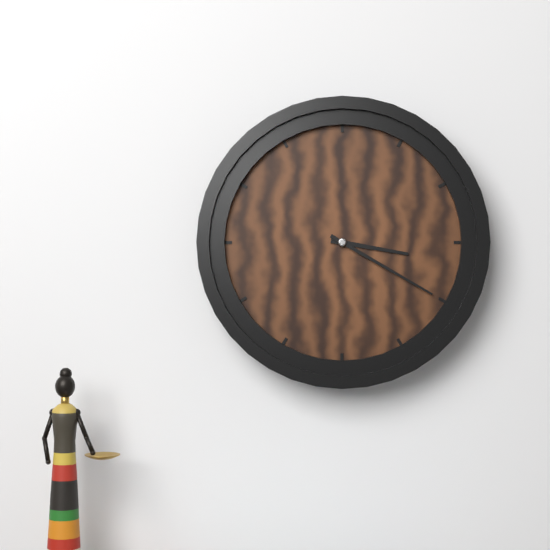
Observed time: 3:20
